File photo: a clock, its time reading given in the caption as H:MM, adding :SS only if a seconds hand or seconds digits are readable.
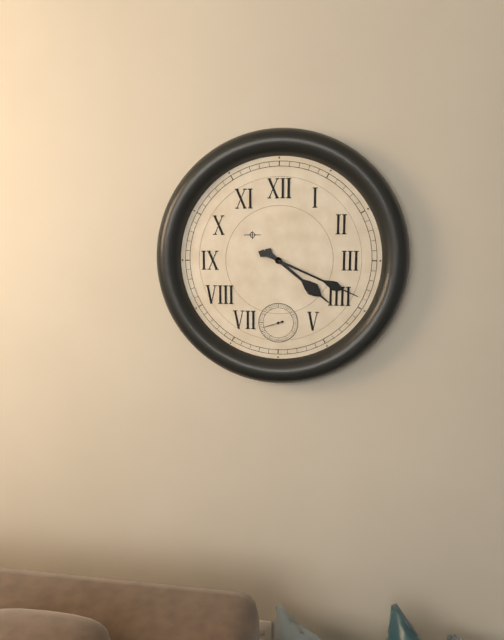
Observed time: 4:19
